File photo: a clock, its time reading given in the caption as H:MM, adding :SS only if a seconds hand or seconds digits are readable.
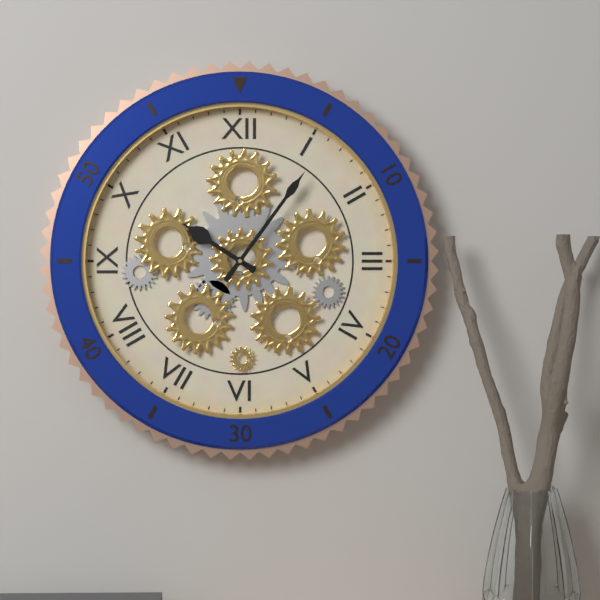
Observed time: 10:06
